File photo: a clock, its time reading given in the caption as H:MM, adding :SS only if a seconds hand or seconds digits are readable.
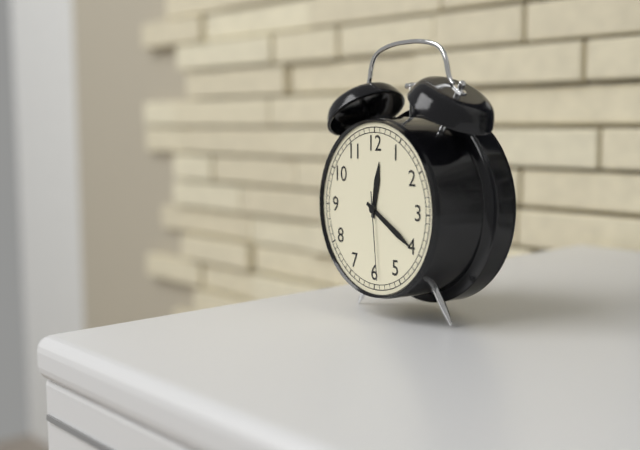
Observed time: 12:20:29
